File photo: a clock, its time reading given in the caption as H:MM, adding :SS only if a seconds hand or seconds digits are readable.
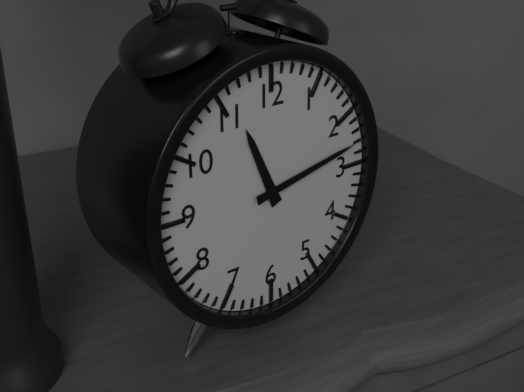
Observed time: 11:13
